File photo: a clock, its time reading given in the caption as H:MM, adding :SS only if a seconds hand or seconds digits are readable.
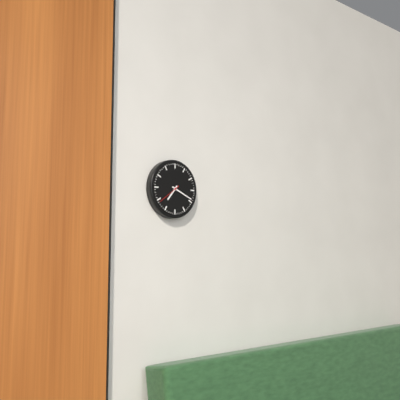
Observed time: 7:19
